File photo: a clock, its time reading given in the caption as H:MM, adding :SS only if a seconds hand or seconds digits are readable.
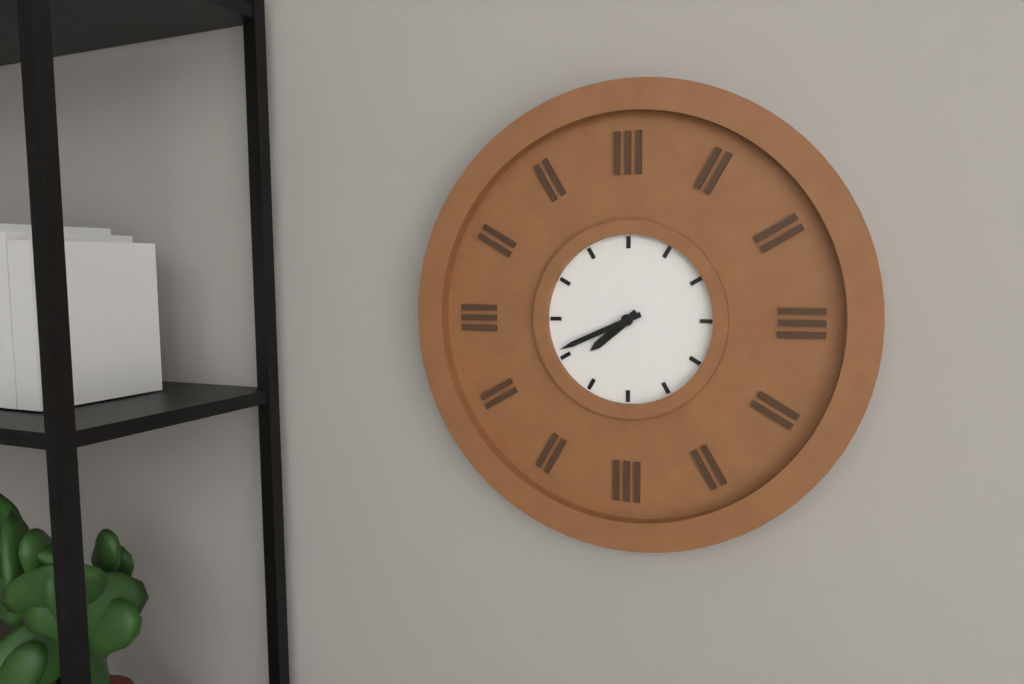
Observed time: 7:41
